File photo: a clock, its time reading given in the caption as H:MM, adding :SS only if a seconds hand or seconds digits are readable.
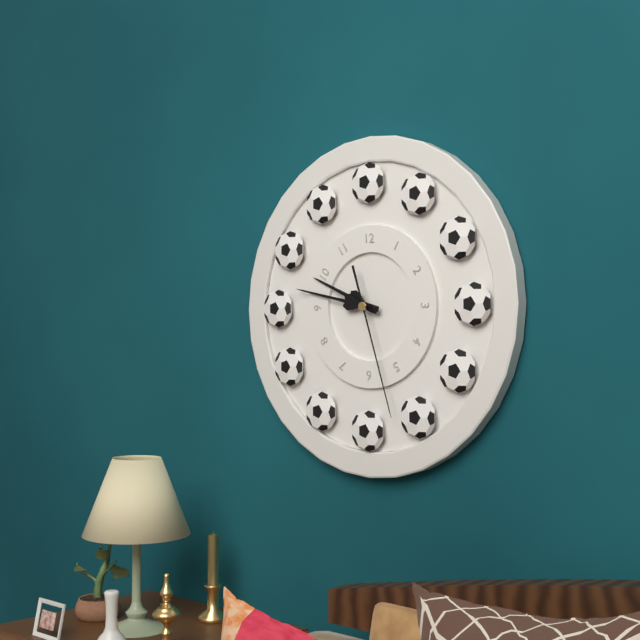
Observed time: 9:47:27
